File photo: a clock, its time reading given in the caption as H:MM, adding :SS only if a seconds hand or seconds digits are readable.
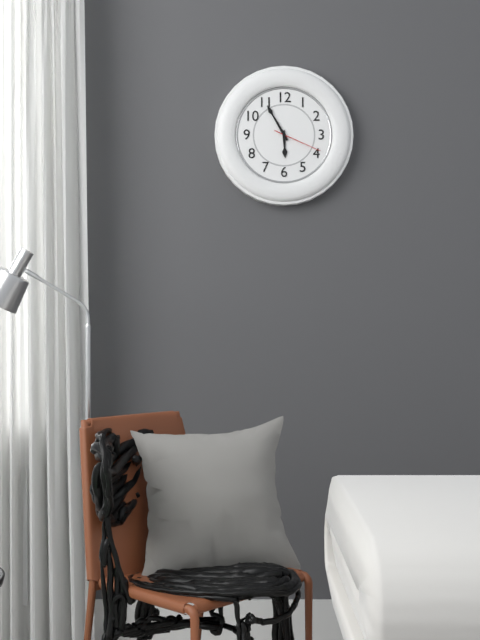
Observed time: 5:55
